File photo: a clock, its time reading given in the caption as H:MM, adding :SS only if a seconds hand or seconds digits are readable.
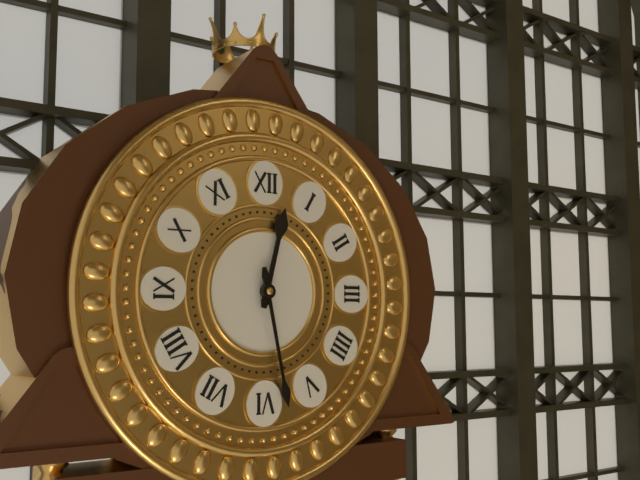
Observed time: 12:28
